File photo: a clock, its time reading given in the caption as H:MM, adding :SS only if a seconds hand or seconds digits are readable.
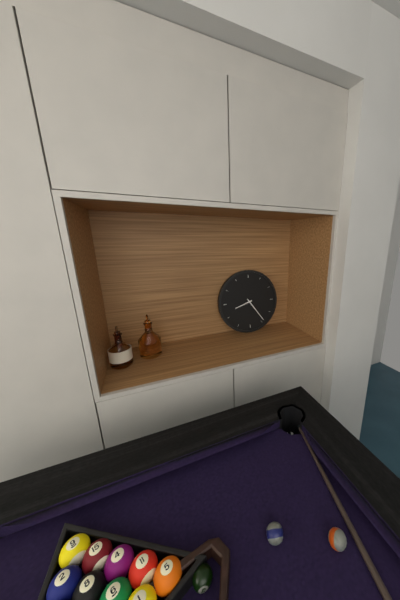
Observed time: 8:24
